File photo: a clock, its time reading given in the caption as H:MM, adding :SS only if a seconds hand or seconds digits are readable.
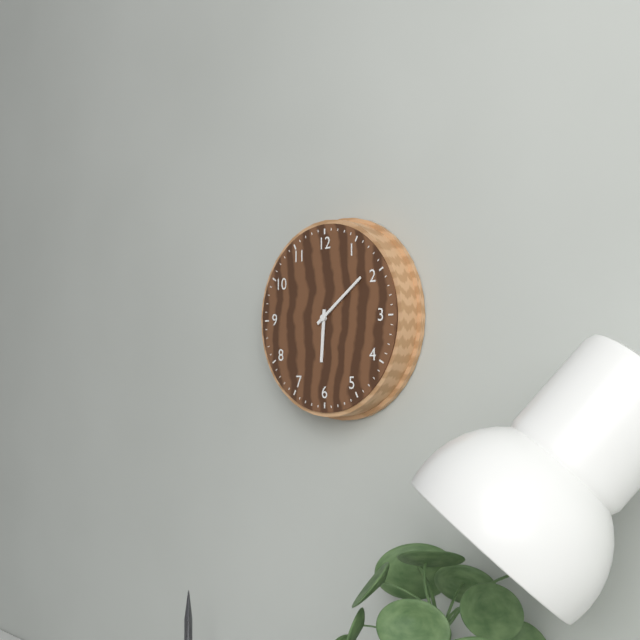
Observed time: 6:09
